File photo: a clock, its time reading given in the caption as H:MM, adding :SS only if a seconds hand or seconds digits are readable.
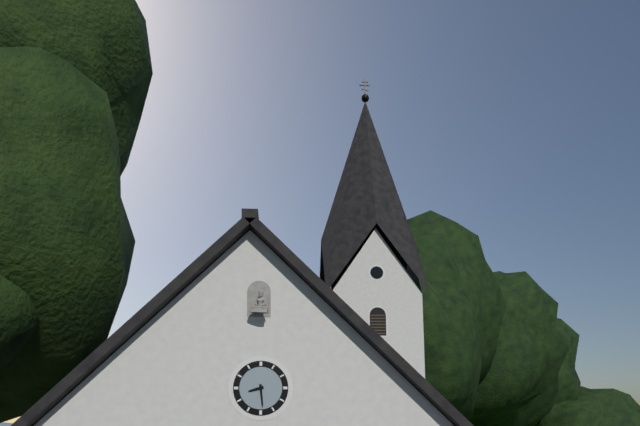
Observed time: 8:29
